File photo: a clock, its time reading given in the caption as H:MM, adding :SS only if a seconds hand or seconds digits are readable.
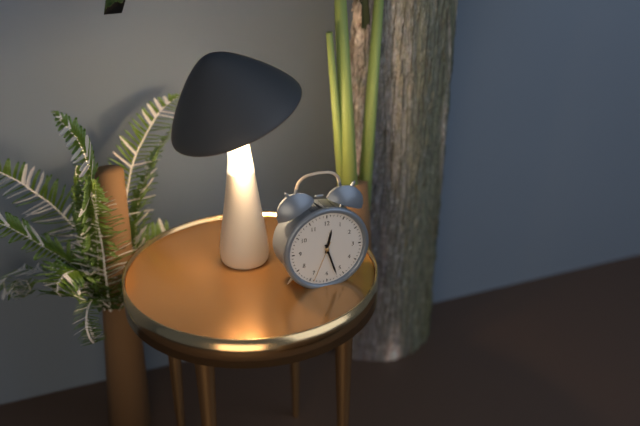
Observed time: 12:27
